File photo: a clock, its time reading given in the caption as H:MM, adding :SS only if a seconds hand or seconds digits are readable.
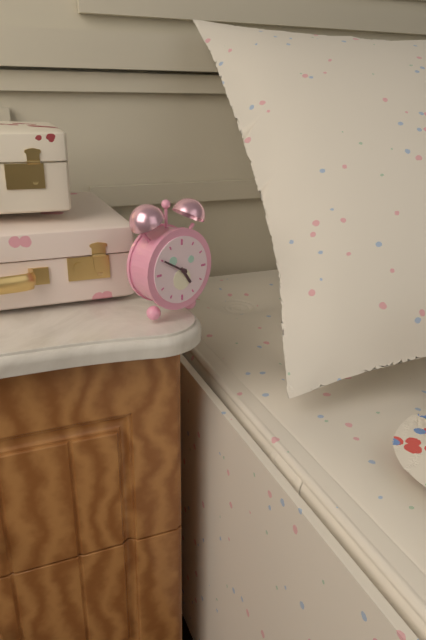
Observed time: 4:50
